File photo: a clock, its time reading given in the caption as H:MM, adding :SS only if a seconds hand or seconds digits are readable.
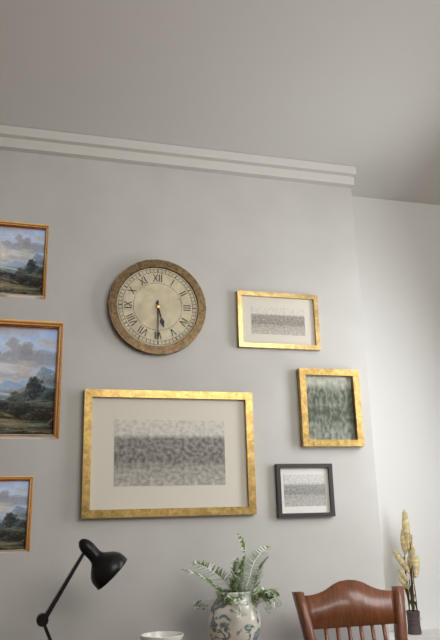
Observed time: 5:30
